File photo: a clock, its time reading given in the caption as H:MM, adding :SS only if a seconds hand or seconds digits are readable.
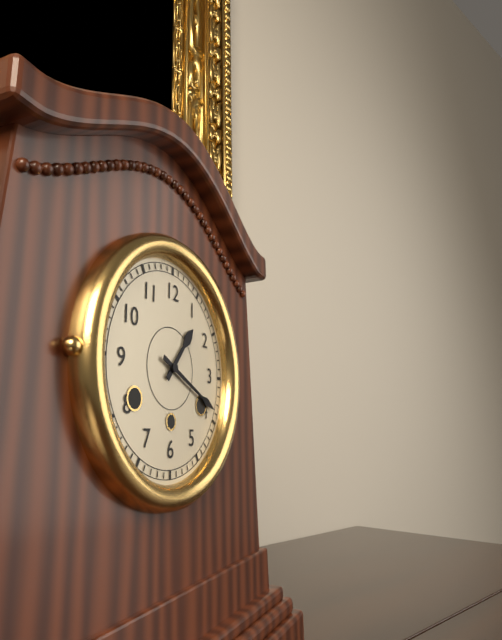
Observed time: 1:19
